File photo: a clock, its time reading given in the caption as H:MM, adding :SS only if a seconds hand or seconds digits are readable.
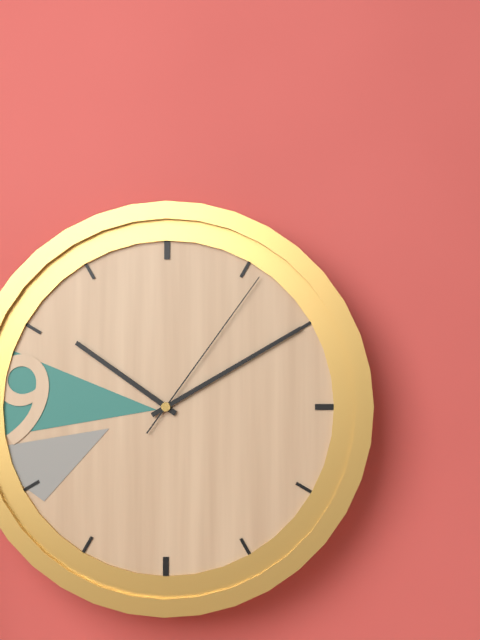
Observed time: 10:10:06
